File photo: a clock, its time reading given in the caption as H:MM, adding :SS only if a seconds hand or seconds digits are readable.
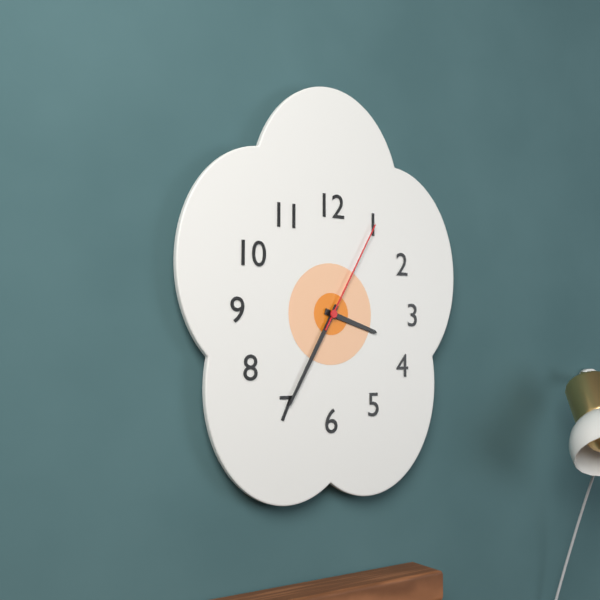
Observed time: 3:35:05
